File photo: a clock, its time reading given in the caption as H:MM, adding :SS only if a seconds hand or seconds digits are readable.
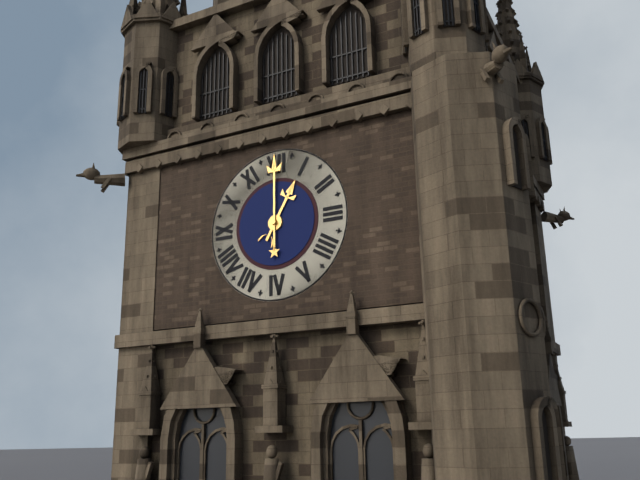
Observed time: 1:00
